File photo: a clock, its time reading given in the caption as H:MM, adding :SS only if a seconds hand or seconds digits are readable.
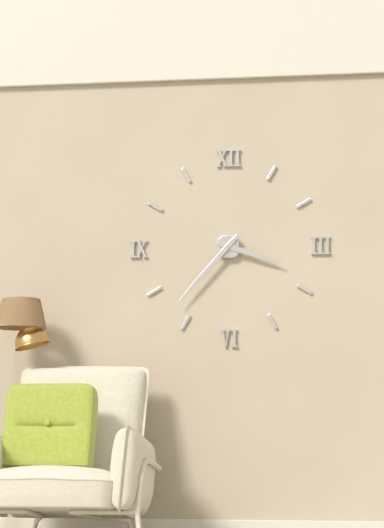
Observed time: 3:37
